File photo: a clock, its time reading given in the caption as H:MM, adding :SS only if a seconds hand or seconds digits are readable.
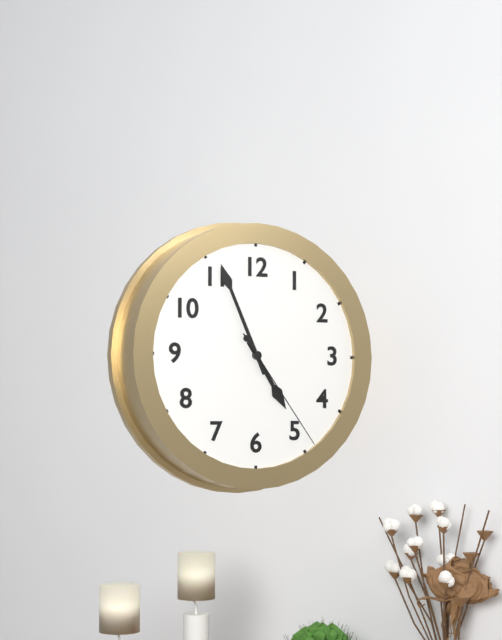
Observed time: 4:56:24
